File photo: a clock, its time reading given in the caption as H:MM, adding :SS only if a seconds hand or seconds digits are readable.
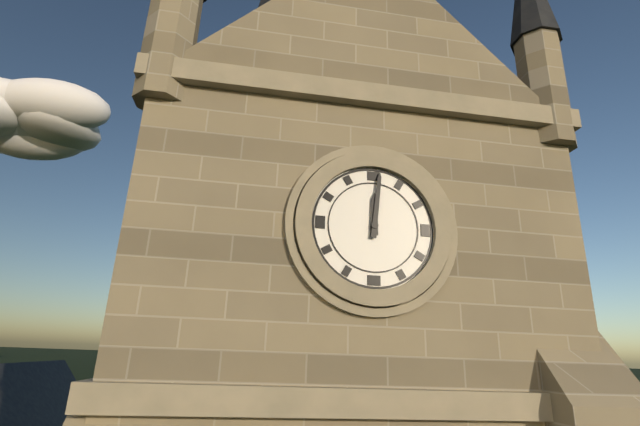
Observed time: 12:01
